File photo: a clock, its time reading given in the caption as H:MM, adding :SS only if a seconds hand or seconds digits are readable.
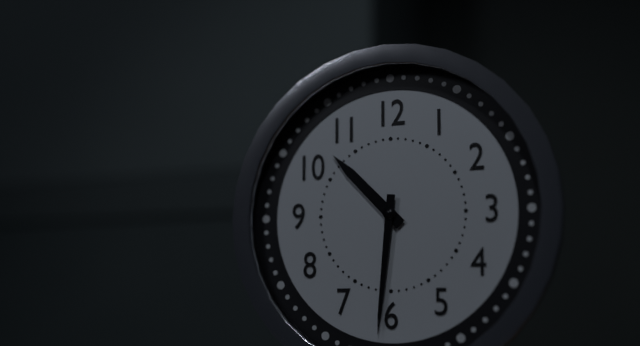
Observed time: 10:31
